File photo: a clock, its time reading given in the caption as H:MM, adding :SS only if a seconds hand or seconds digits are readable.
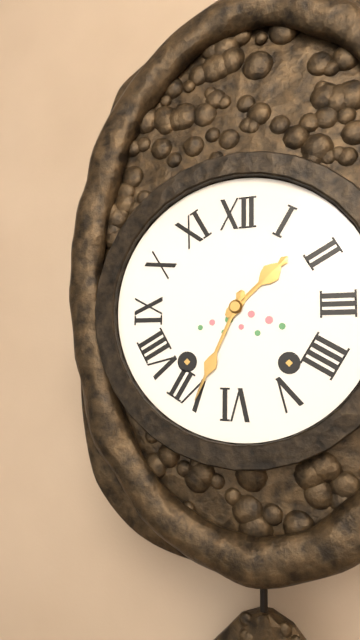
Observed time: 1:34
